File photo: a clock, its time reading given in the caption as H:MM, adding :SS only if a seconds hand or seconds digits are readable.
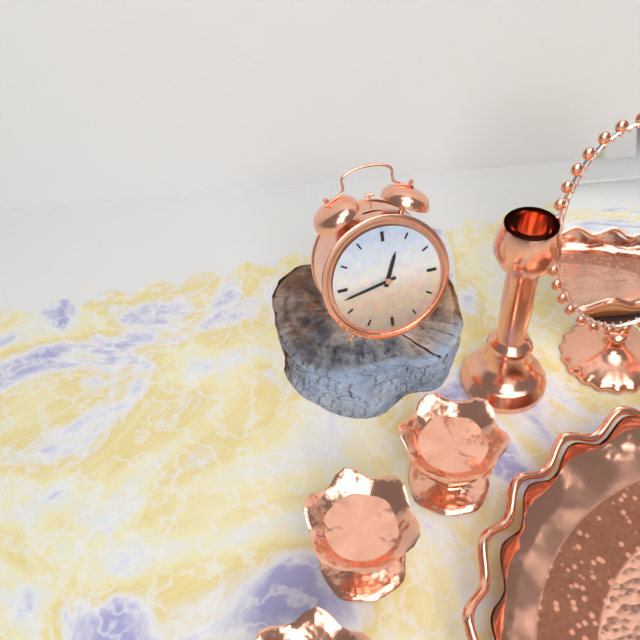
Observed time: 12:43
